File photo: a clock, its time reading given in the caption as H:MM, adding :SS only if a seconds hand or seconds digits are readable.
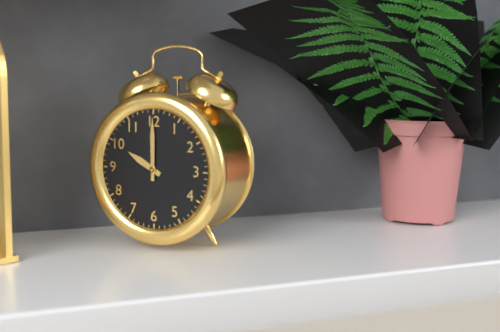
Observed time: 10:00
